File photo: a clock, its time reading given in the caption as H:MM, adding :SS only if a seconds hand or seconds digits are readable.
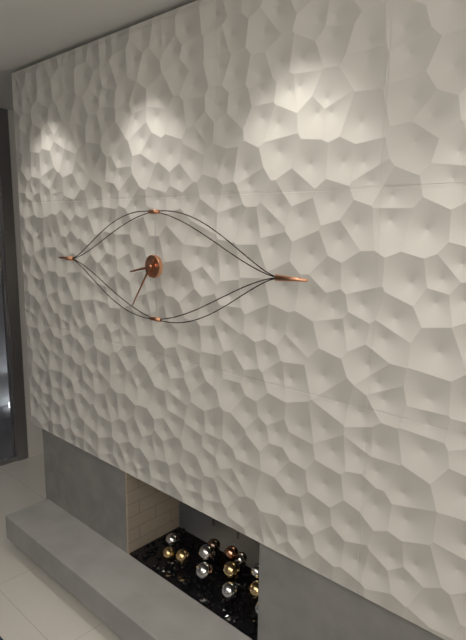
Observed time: 8:36
